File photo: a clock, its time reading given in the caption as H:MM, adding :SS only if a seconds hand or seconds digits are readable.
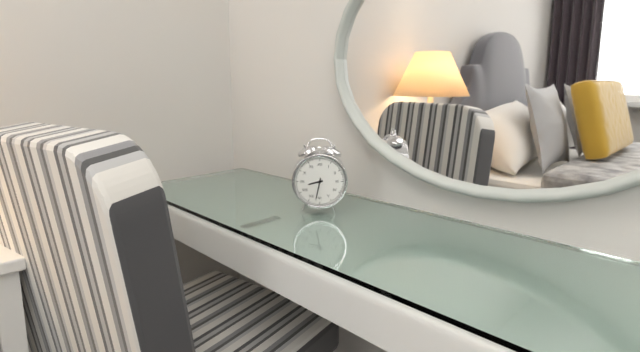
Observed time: 8:32
